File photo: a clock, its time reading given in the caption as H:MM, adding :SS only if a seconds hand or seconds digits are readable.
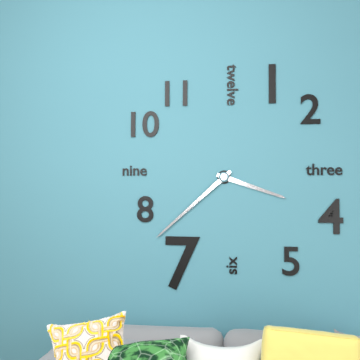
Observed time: 3:38
